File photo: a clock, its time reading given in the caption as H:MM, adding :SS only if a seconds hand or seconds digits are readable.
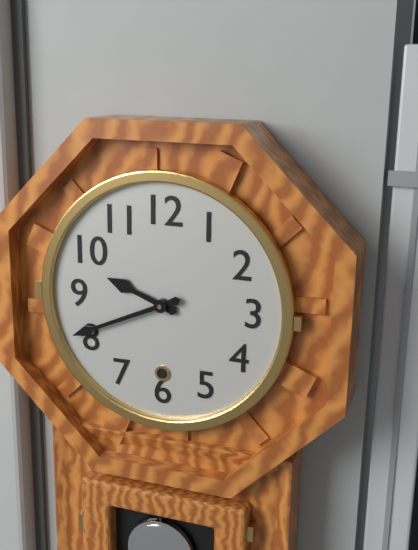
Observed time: 9:41
